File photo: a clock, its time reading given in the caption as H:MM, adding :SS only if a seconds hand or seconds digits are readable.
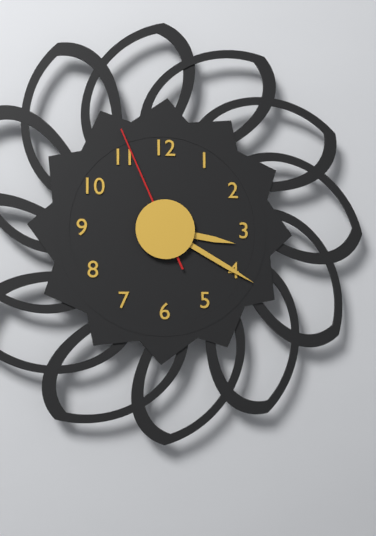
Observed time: 3:20:56
